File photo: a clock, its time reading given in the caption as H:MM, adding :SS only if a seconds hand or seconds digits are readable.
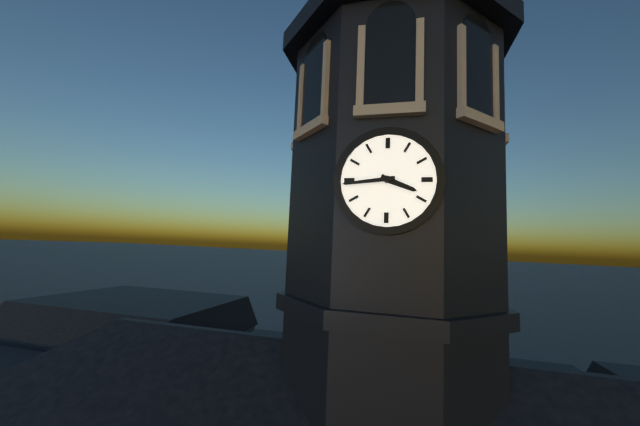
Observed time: 3:44
